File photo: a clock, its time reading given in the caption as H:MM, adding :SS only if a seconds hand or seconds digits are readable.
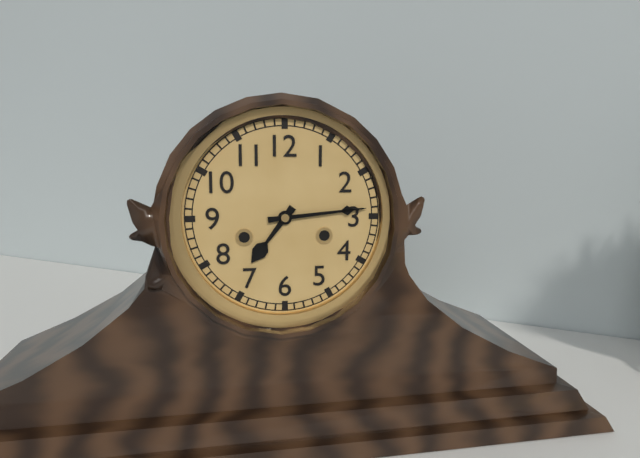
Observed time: 7:14
